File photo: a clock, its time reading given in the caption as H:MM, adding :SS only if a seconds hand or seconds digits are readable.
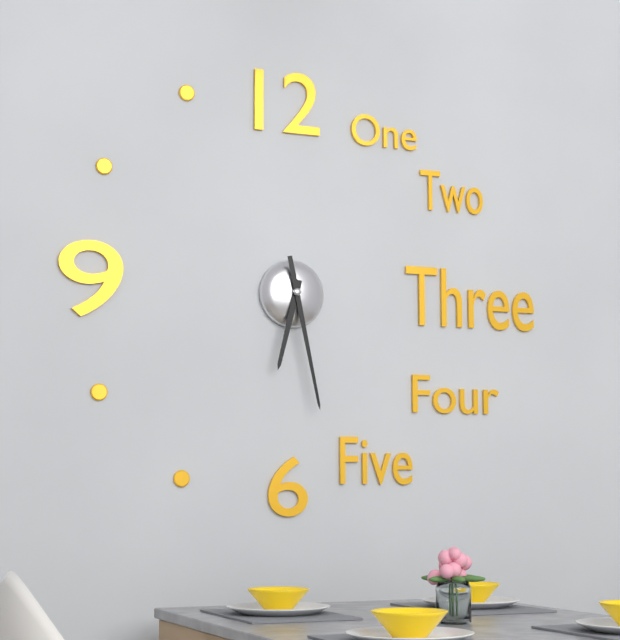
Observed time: 6:28
